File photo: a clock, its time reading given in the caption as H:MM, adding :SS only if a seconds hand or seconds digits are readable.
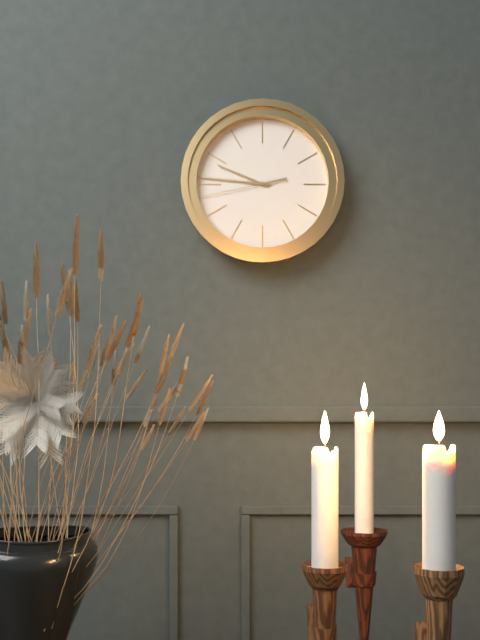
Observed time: 9:46:43
